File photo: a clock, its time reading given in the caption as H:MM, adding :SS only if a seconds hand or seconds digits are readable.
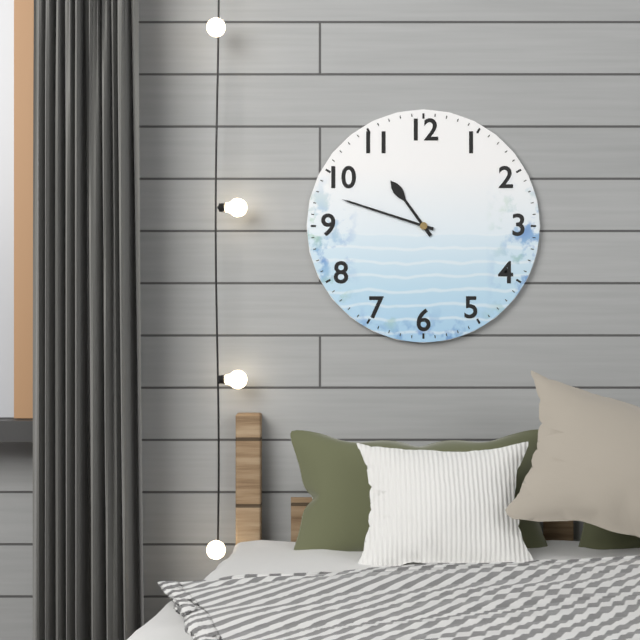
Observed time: 10:48
